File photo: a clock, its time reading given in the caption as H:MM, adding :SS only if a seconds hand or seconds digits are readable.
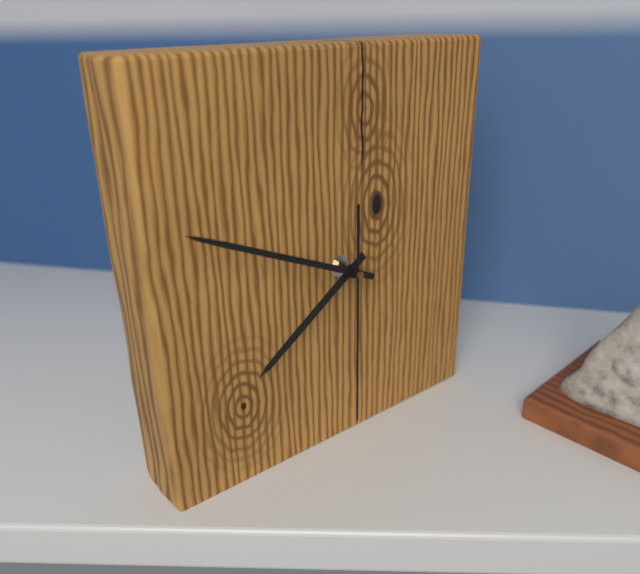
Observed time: 7:49:30
